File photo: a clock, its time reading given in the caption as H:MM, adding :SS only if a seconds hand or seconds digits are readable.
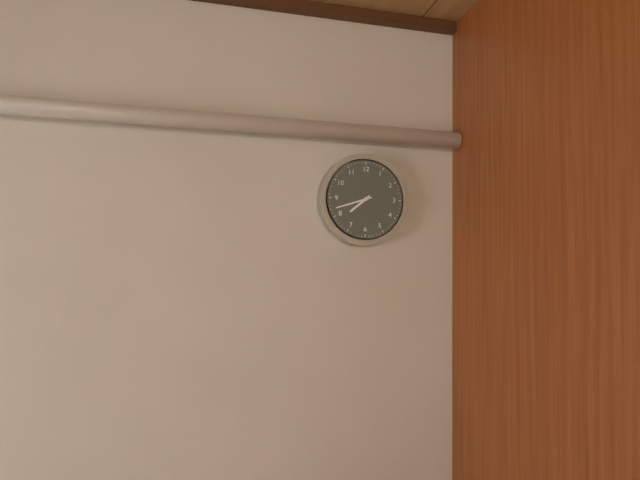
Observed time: 7:42
